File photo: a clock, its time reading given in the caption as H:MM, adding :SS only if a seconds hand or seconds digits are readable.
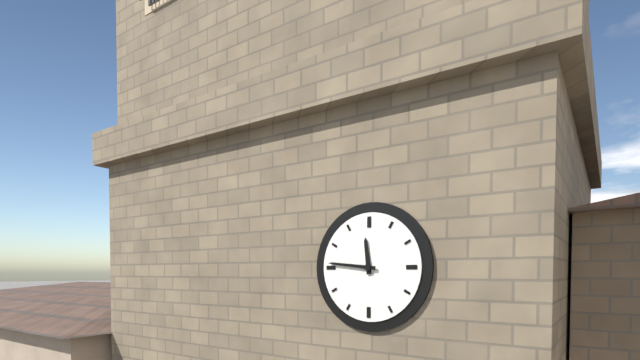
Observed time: 11:46
